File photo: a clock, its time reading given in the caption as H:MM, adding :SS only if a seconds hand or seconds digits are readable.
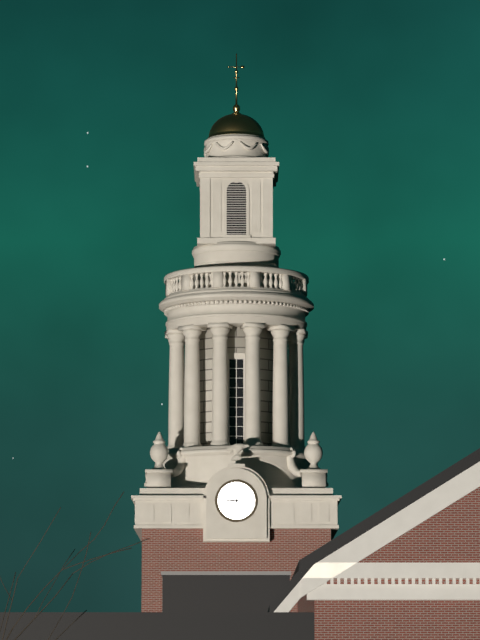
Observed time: 9:02
